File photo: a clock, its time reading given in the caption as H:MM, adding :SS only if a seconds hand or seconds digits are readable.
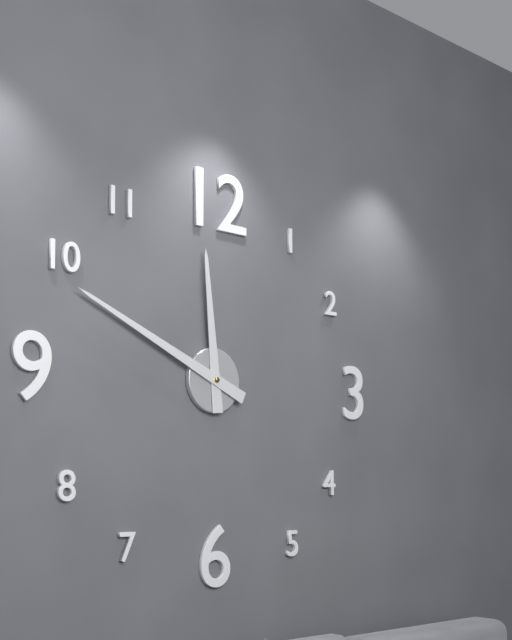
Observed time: 11:49
